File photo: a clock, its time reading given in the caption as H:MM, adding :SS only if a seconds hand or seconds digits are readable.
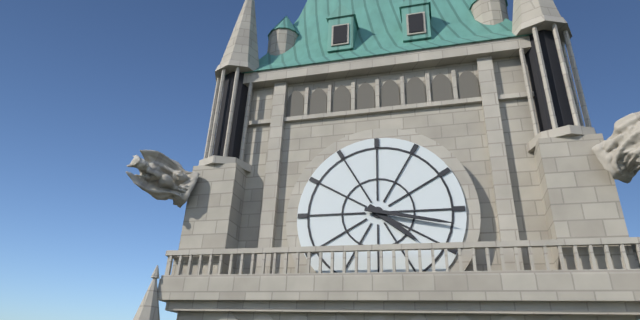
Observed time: 4:17
